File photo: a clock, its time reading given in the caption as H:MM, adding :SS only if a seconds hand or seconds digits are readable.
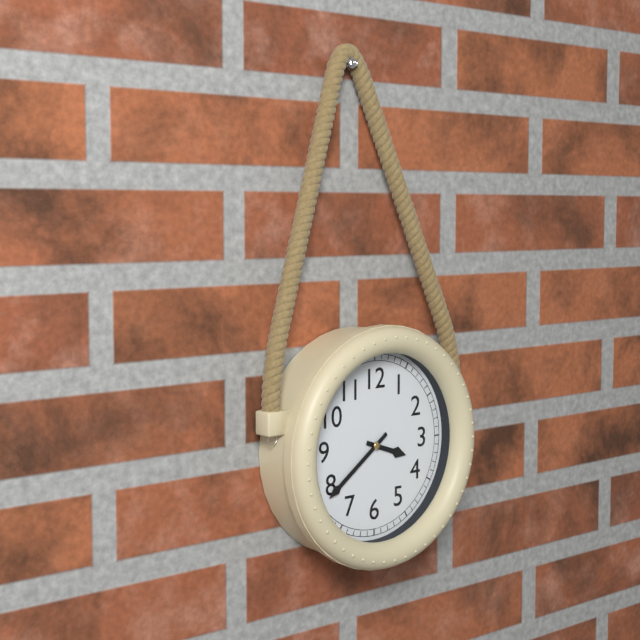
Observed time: 3:39
